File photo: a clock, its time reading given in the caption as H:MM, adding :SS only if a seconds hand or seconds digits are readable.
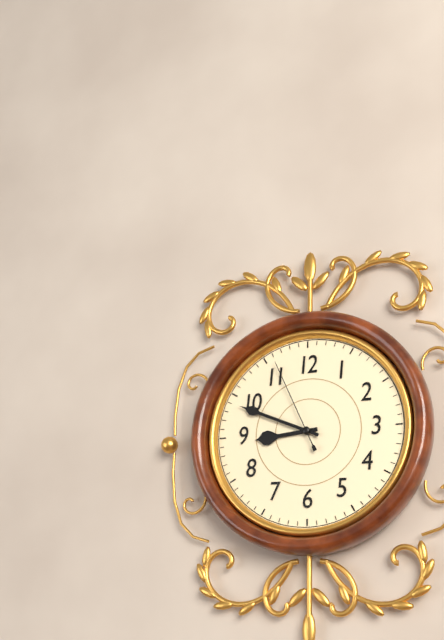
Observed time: 8:49:56
